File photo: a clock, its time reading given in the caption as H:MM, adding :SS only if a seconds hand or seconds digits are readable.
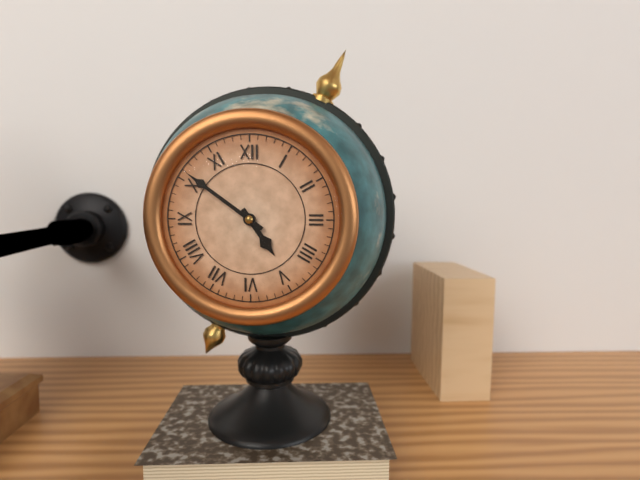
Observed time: 4:51
